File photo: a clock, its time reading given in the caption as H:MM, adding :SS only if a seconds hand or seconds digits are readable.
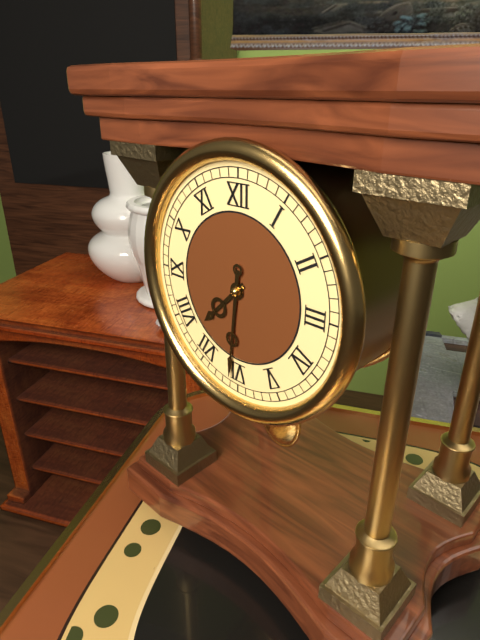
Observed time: 7:31
